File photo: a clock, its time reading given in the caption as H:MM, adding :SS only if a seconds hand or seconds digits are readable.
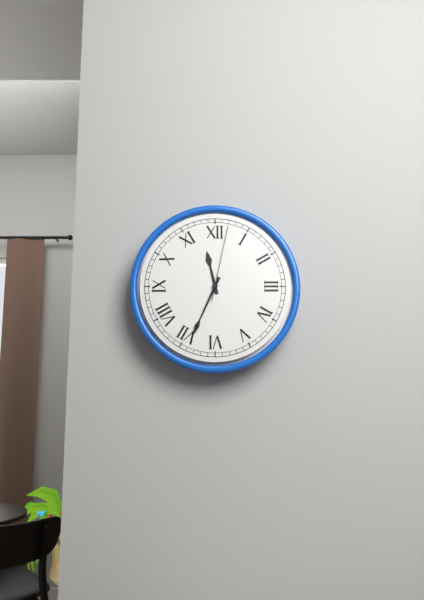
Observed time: 11:34:02
